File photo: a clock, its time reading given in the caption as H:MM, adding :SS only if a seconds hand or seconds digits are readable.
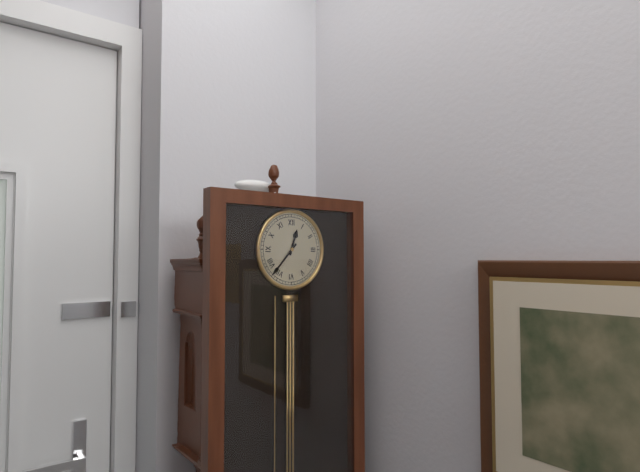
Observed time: 12:37
